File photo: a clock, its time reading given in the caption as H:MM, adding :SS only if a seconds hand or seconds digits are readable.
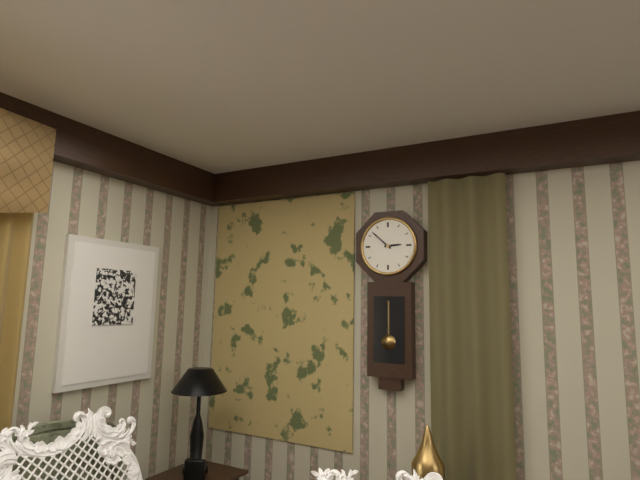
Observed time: 2:52
